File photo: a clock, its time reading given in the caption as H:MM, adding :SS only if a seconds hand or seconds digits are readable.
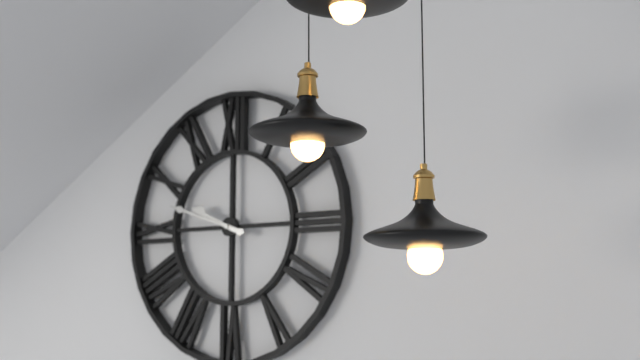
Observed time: 9:48
